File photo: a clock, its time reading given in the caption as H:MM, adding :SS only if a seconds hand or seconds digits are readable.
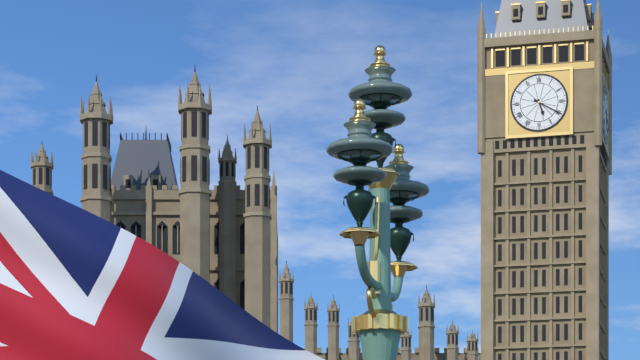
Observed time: 5:20
